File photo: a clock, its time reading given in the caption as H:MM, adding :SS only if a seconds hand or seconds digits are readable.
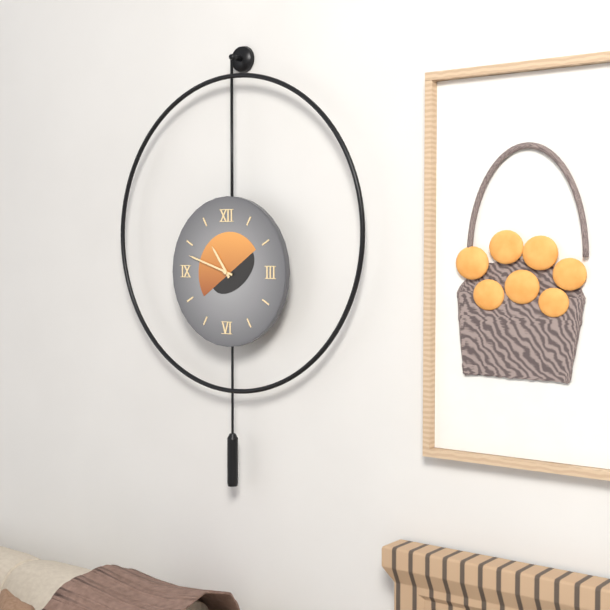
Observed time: 10:48
